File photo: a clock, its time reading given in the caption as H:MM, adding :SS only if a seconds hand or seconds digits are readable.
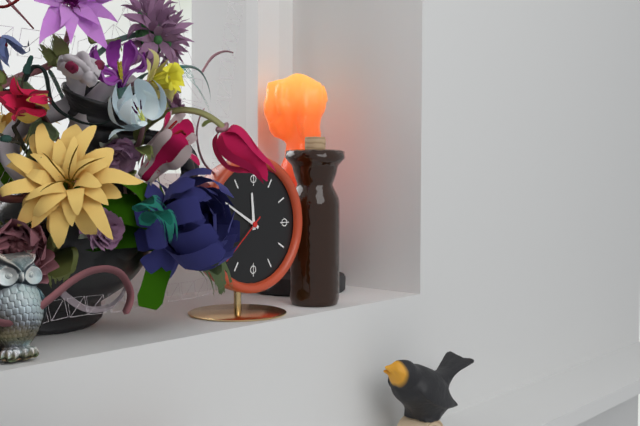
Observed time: 11:50:38
